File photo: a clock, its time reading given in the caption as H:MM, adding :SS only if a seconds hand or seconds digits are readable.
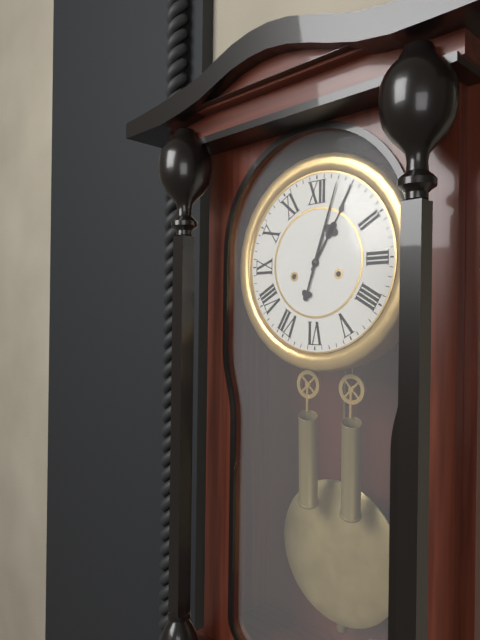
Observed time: 1:03
